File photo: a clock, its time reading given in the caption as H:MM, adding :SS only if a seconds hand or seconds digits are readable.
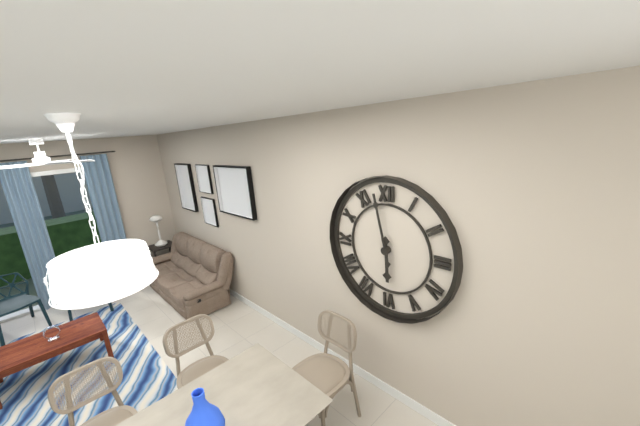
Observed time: 5:58
